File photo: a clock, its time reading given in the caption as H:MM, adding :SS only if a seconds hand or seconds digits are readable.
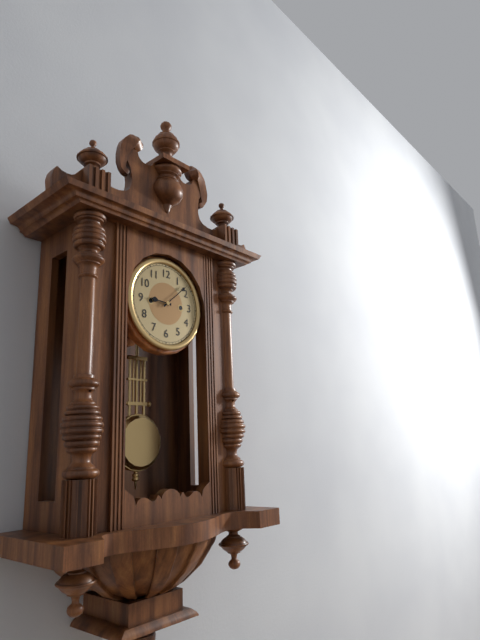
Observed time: 9:08
